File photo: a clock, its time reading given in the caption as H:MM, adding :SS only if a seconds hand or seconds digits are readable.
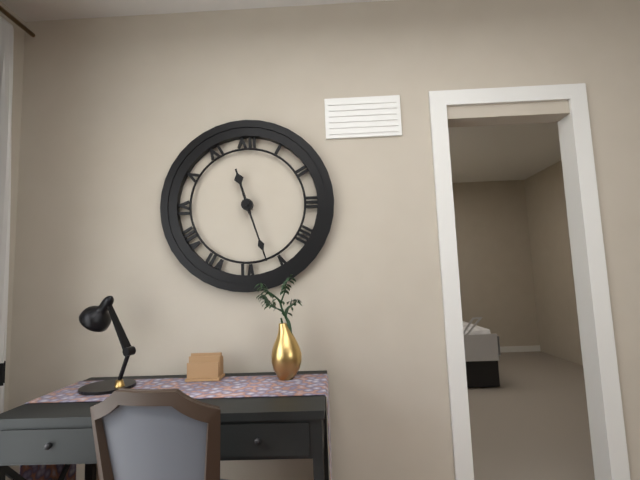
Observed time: 11:27
